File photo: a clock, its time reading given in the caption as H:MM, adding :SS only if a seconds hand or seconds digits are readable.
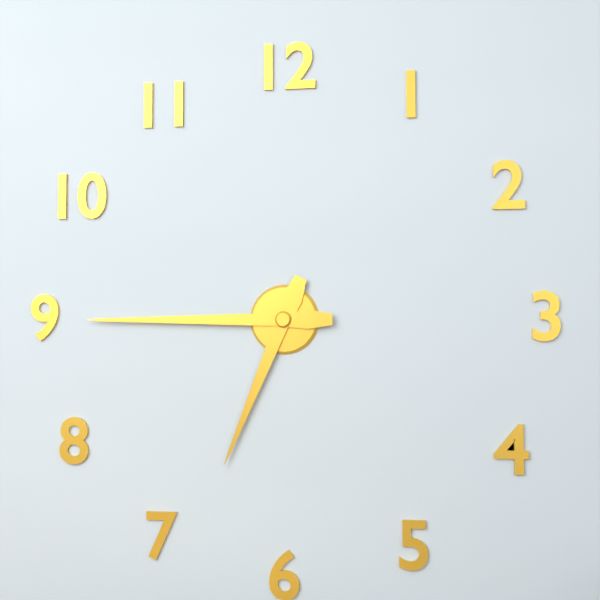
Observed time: 6:45
